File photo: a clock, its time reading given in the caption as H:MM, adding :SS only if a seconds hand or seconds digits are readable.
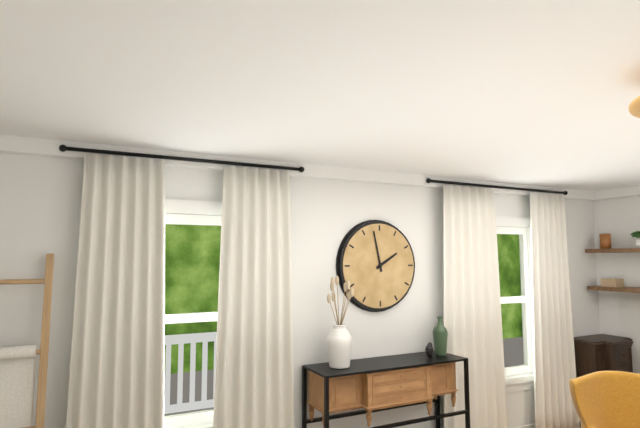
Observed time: 1:58
